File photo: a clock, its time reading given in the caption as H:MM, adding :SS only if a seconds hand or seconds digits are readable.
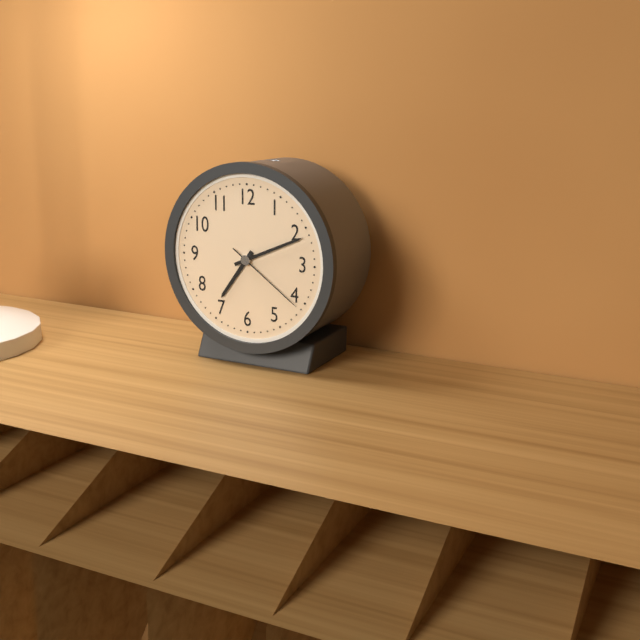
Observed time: 7:11:21
